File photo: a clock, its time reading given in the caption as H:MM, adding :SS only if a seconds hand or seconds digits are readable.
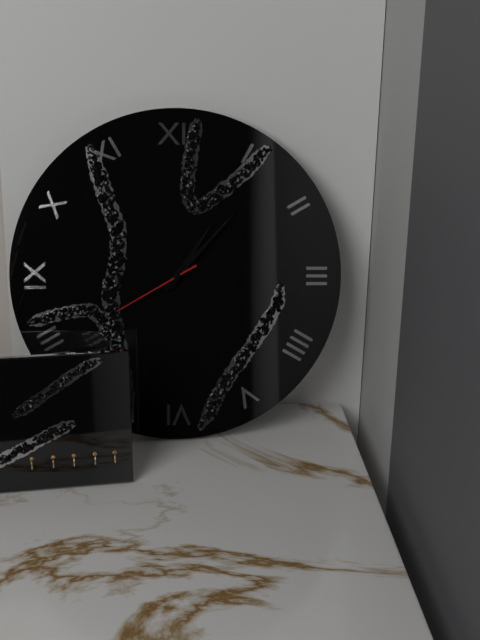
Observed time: 1:07:40
